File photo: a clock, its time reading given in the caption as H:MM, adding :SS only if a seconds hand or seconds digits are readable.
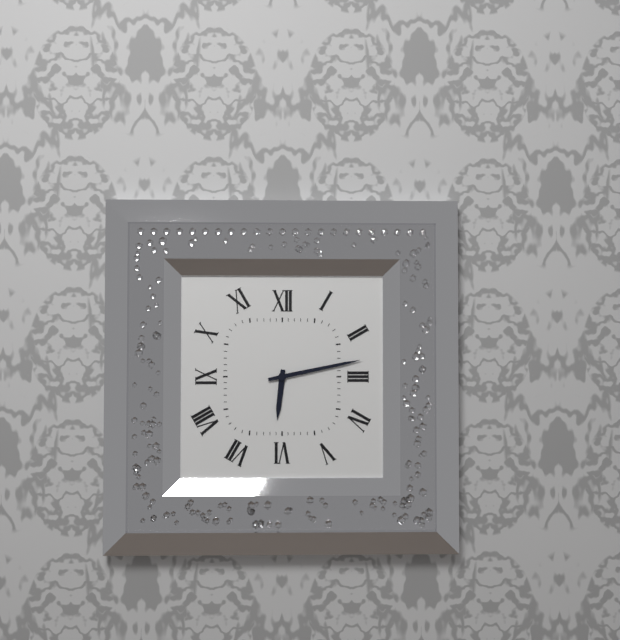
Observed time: 6:13
